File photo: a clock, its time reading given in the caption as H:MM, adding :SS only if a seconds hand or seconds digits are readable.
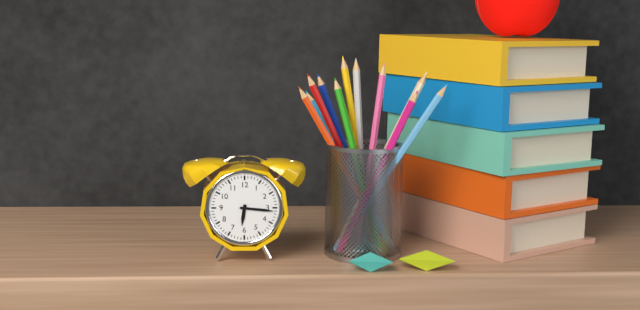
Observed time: 6:16
